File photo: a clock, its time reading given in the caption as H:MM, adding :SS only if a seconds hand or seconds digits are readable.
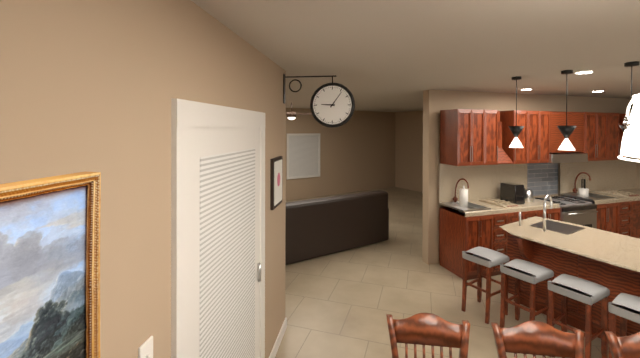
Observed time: 9:06
